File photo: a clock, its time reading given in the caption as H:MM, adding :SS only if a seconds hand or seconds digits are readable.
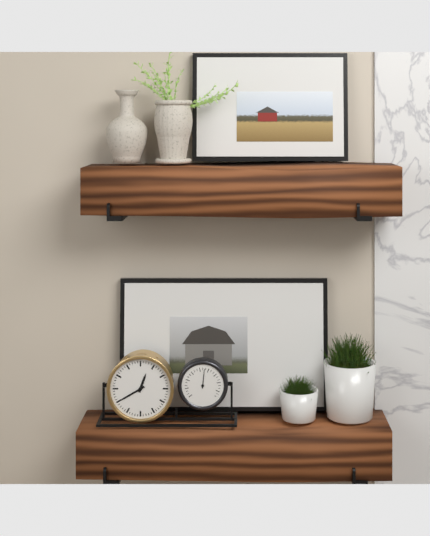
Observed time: 12:40
